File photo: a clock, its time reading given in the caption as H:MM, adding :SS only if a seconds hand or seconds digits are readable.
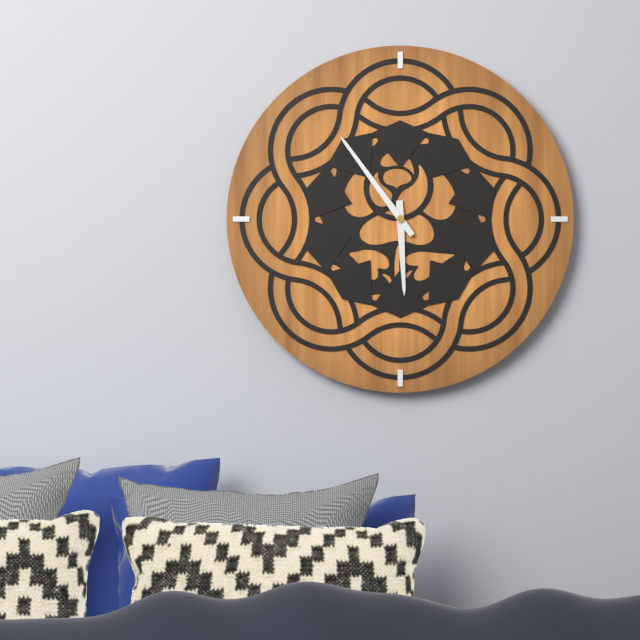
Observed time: 5:54
